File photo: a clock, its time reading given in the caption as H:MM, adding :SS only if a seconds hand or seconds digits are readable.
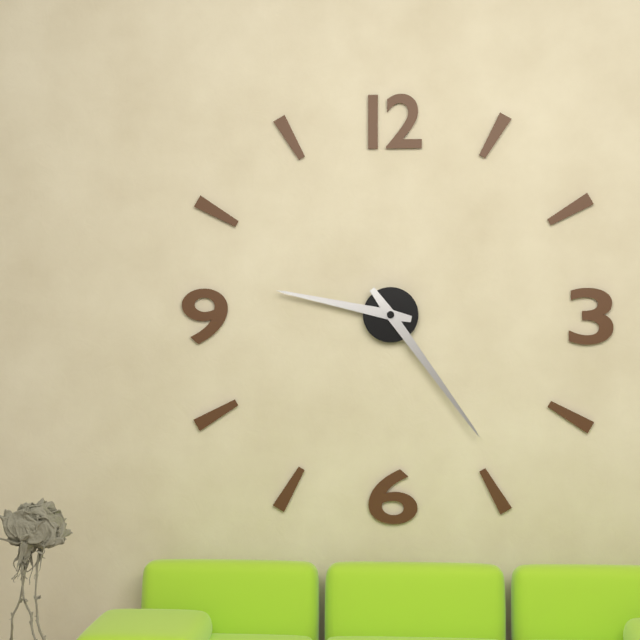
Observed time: 9:24
